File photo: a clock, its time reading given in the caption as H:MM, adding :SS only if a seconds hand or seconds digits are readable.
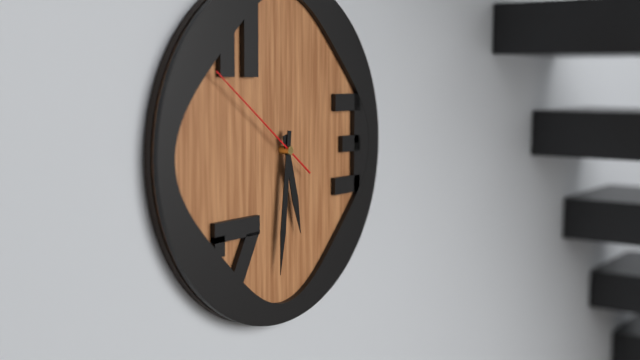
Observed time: 5:31:51
